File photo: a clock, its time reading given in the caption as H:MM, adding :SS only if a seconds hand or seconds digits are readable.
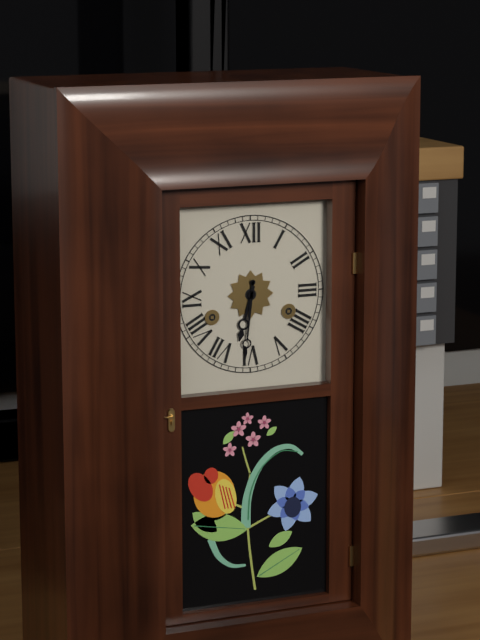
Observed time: 6:31
